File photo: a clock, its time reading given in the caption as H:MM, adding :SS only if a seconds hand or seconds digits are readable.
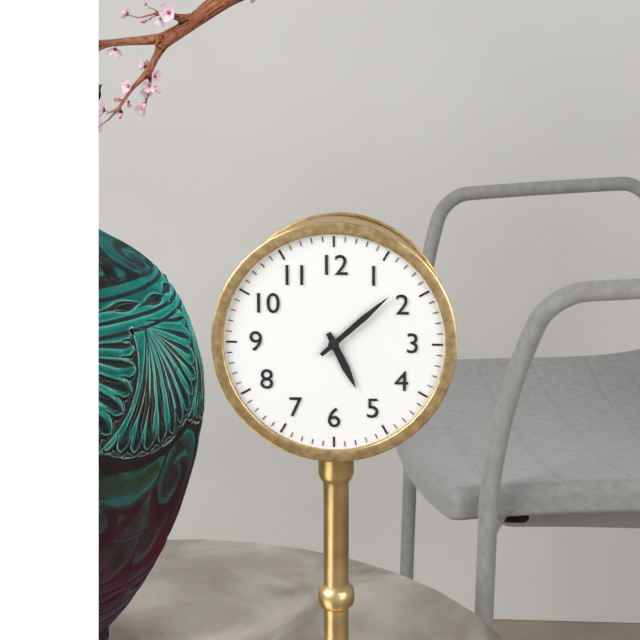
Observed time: 5:08
